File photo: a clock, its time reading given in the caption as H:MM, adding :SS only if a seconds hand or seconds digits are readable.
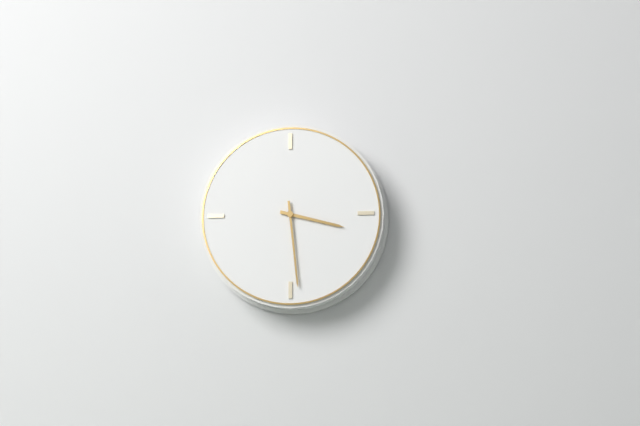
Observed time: 3:29
